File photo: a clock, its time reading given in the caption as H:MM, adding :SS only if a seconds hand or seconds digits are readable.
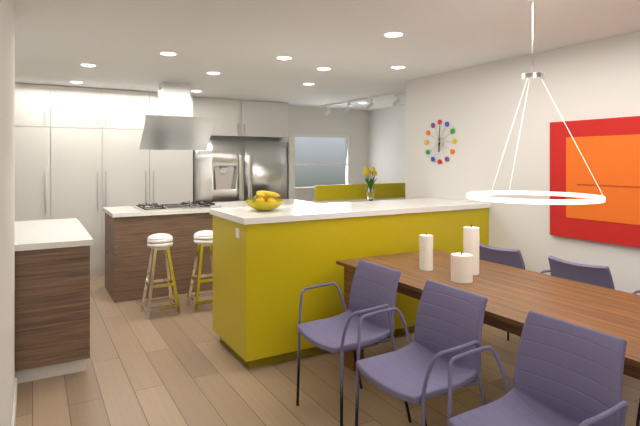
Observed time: 6:01
